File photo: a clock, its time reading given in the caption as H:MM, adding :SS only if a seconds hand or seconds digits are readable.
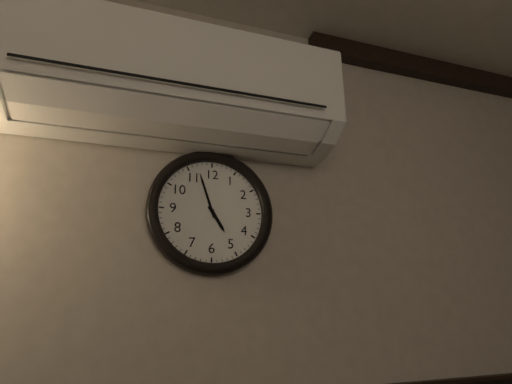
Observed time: 4:57
